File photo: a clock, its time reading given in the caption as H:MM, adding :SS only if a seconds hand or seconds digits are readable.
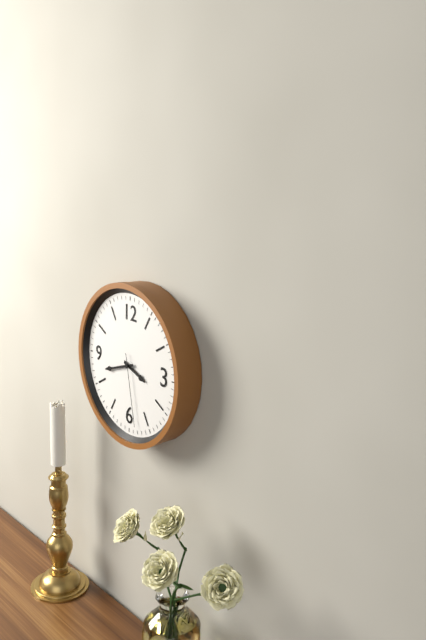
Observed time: 3:42:28
